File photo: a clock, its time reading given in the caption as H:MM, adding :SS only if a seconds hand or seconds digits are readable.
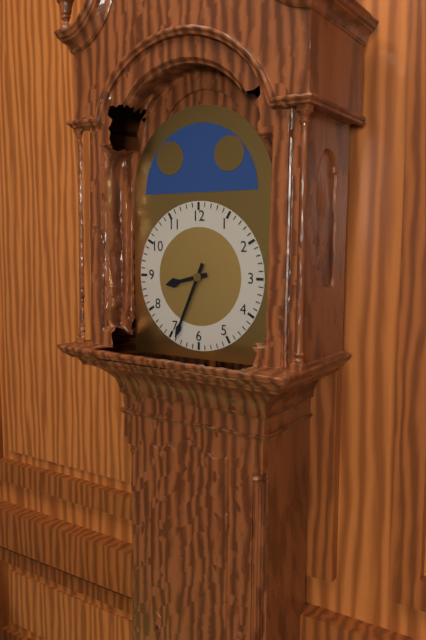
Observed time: 8:34
